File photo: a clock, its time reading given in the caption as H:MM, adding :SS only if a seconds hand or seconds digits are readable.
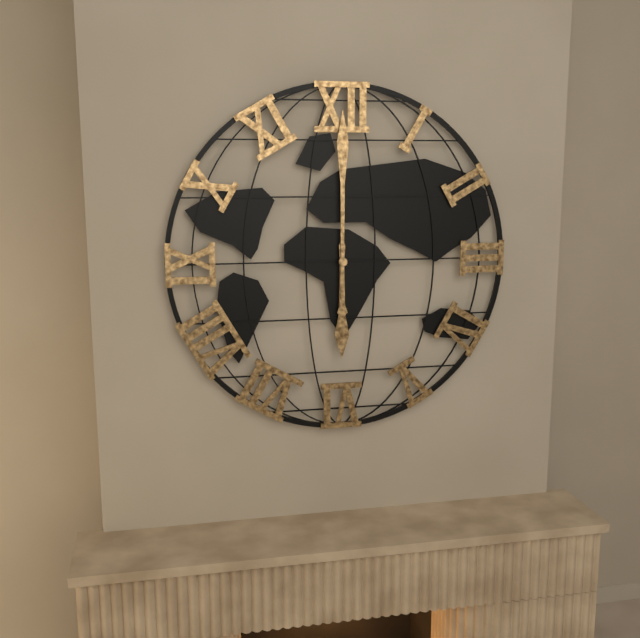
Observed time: 6:00
